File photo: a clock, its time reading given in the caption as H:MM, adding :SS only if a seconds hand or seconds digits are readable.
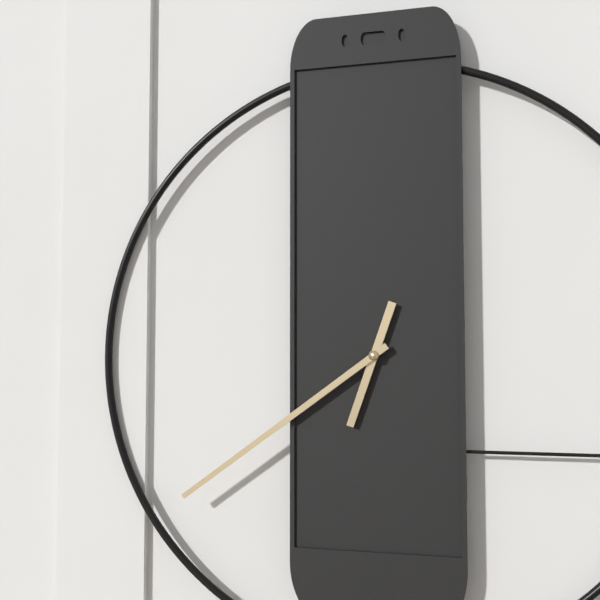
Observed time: 6:39
